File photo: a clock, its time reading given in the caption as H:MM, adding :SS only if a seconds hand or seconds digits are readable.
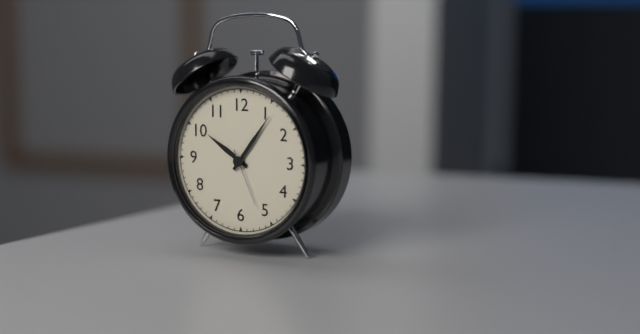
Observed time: 10:06:26
